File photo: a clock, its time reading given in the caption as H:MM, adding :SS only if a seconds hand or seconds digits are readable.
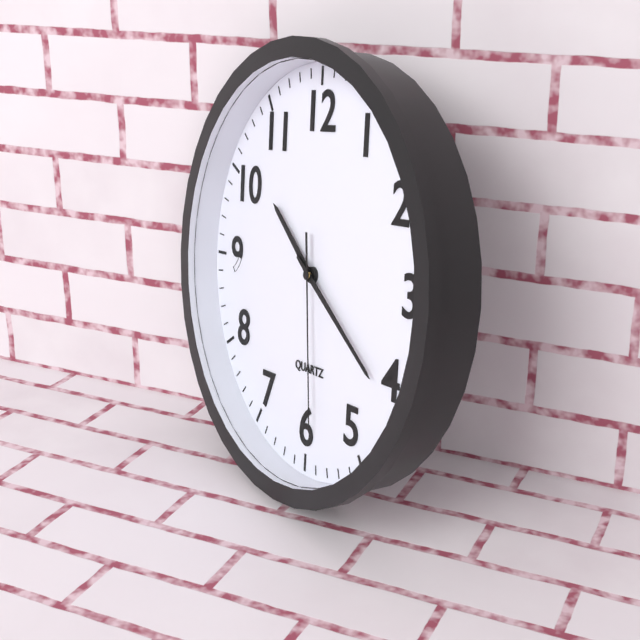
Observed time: 10:21:29
